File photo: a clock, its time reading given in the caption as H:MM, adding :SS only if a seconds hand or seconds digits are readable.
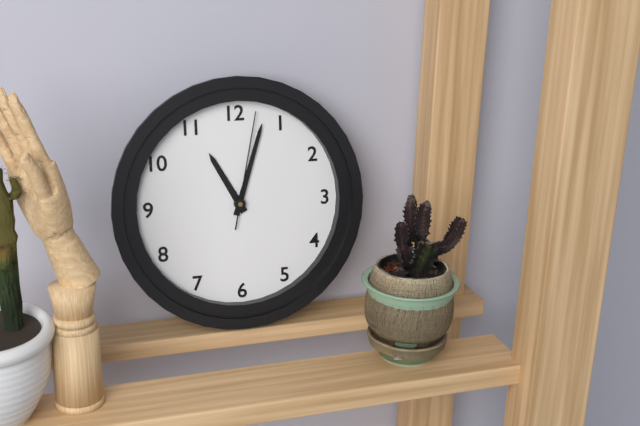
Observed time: 11:03:02
